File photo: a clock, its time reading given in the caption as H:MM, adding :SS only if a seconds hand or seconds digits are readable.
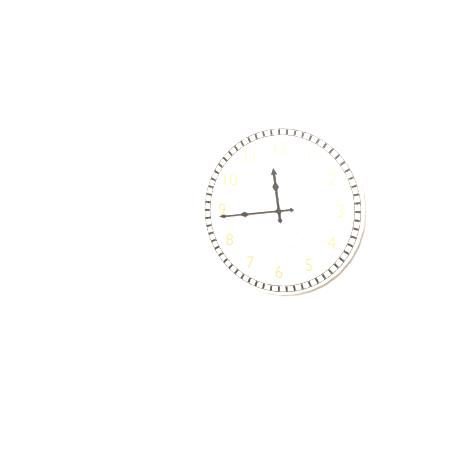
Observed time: 11:44
